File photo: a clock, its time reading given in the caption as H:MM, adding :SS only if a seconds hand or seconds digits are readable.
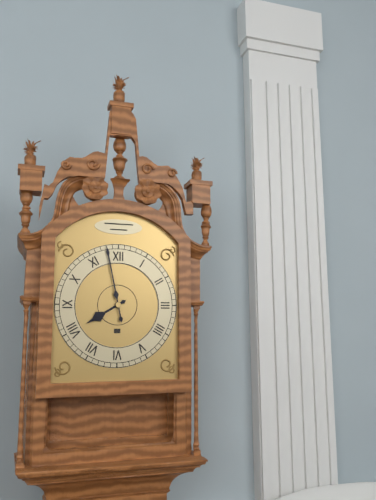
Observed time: 7:58
